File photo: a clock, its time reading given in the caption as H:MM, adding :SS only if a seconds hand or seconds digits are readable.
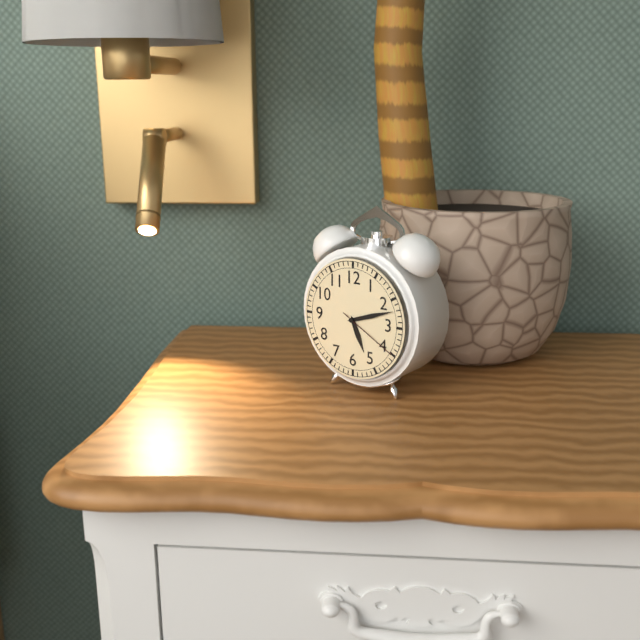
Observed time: 5:12:20
